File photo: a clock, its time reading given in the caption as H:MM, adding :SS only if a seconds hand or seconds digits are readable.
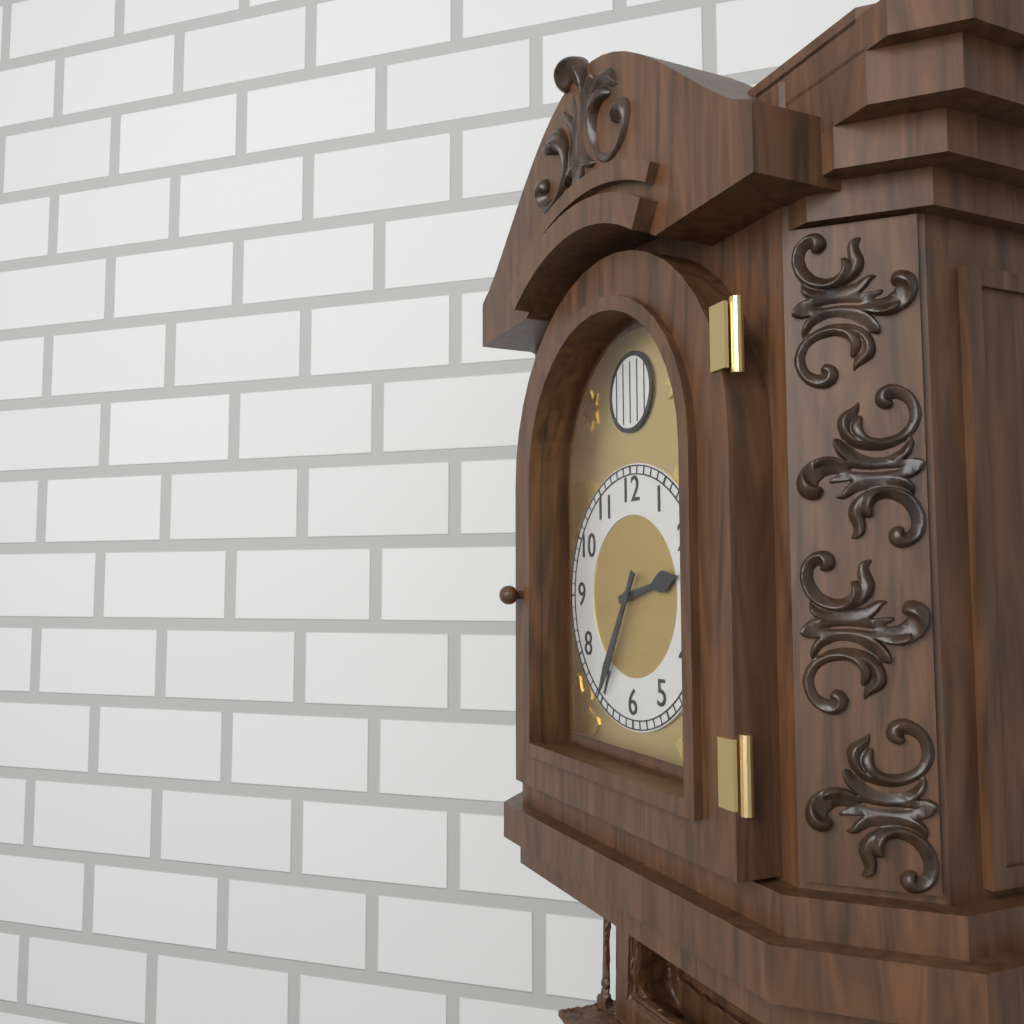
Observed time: 2:35
